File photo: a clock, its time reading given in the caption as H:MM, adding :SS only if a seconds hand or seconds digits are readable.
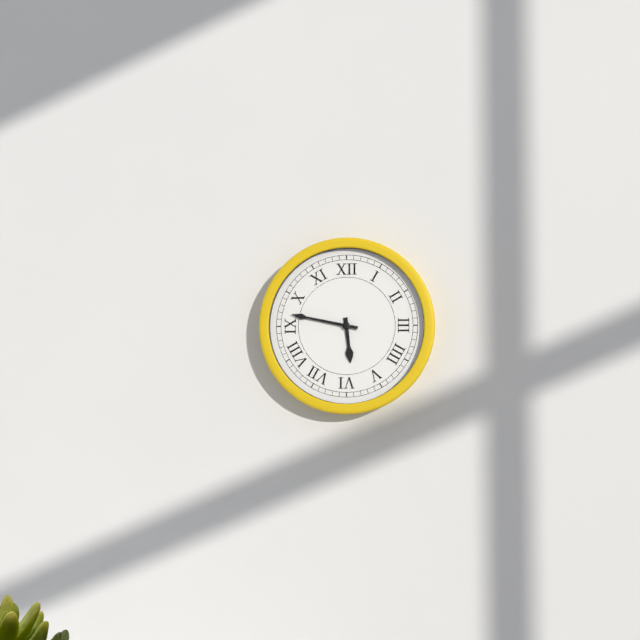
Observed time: 5:47
